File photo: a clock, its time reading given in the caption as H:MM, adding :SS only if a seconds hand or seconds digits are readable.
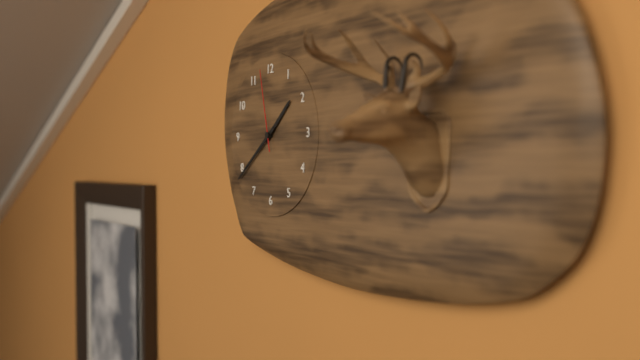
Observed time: 1:39:58
